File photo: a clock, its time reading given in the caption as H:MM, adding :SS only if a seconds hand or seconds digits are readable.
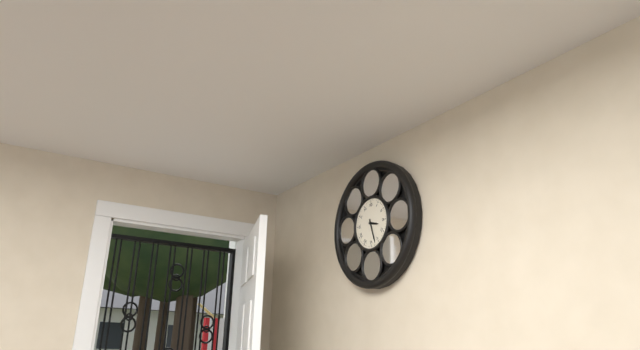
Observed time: 3:27
